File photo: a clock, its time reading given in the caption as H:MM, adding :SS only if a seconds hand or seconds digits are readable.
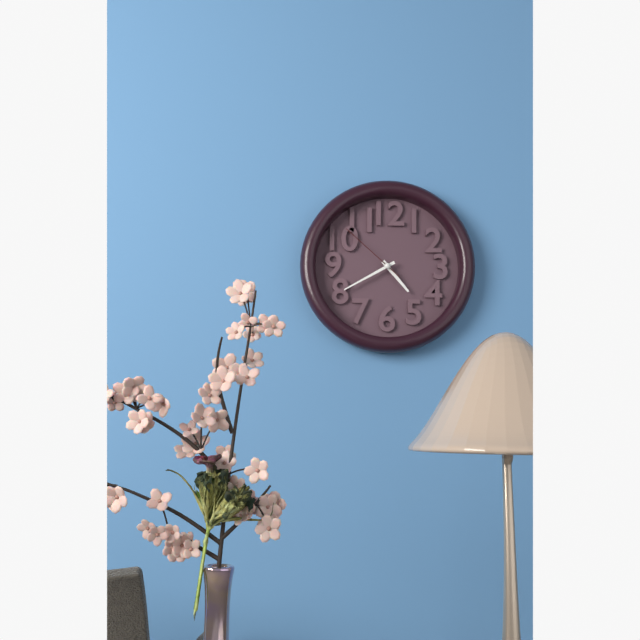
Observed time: 4:40:52
